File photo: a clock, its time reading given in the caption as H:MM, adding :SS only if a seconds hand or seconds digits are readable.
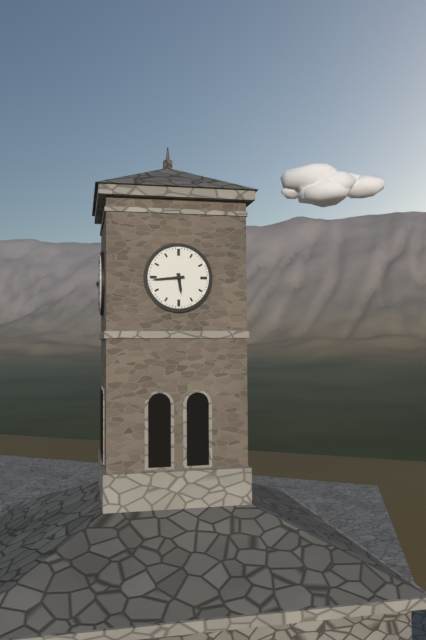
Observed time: 5:44
